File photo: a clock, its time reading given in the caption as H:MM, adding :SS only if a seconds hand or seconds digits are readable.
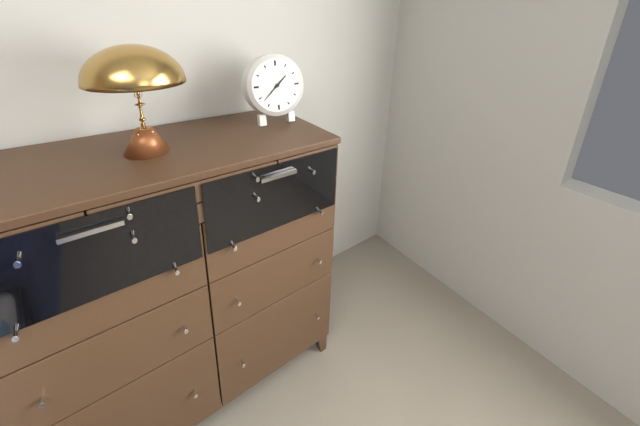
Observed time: 1:38
